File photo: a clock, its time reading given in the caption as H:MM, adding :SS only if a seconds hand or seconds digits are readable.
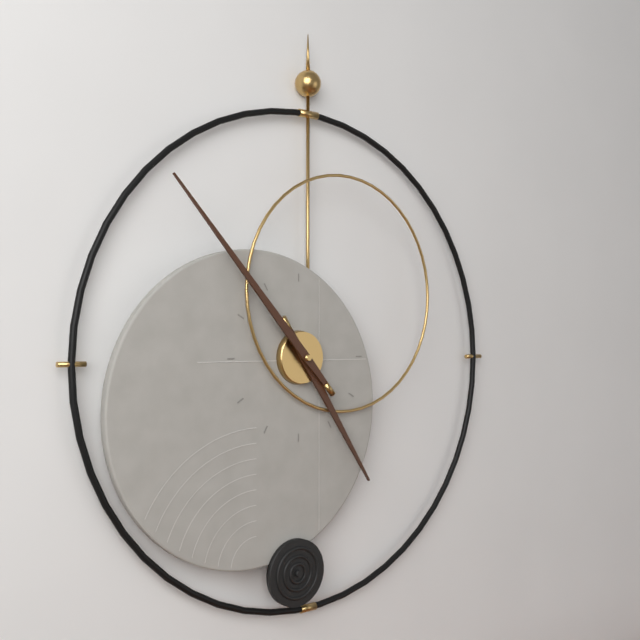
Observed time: 4:53
